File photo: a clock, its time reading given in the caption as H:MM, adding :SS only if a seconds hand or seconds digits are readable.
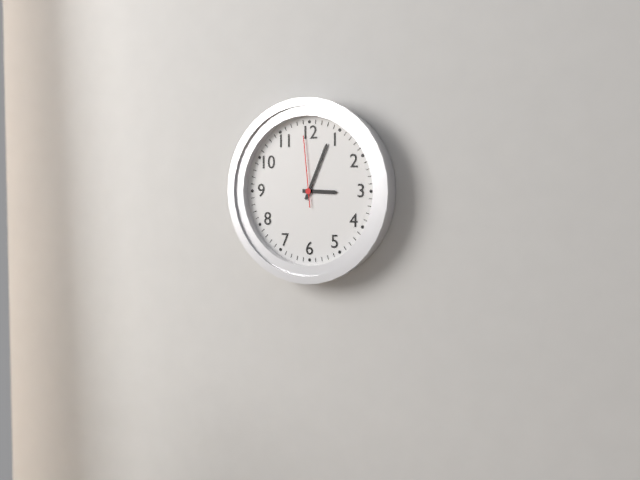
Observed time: 3:04:59
